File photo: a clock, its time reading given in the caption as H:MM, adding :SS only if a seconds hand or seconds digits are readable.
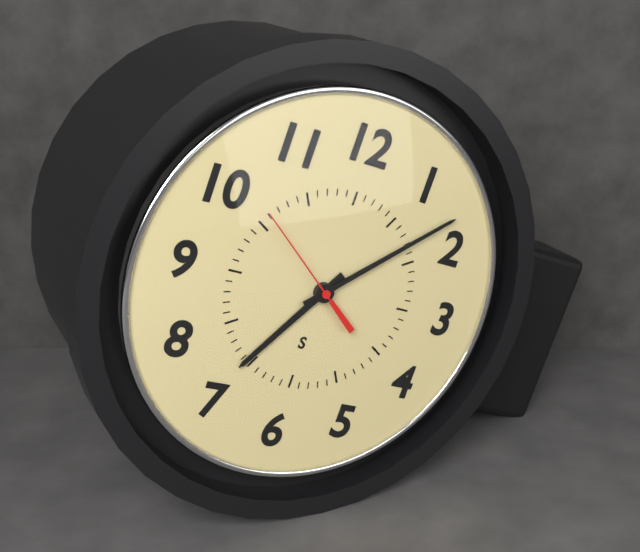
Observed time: 7:08:51
